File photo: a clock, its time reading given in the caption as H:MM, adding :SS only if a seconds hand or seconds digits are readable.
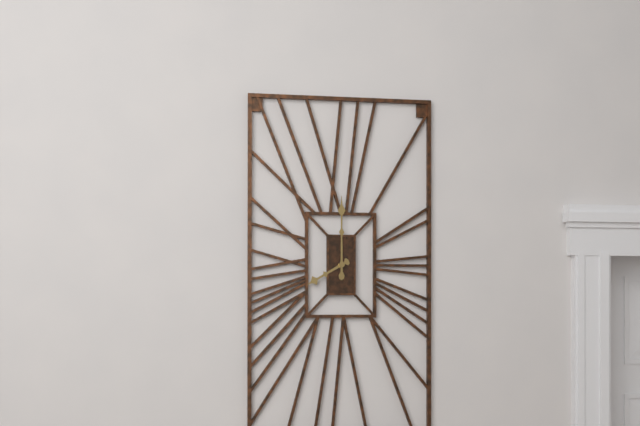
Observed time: 8:00
